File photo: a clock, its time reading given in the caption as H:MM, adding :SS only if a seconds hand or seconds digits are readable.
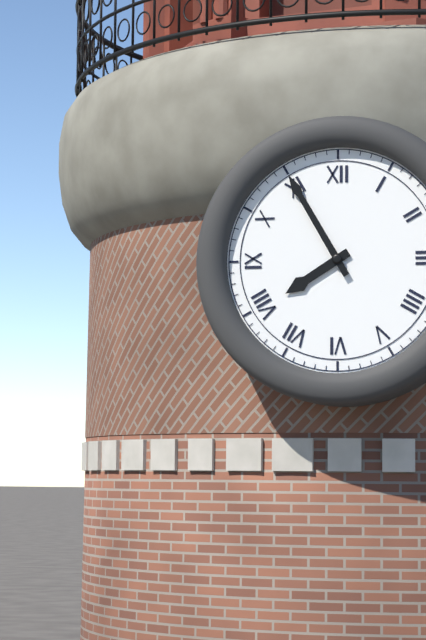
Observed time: 7:55
